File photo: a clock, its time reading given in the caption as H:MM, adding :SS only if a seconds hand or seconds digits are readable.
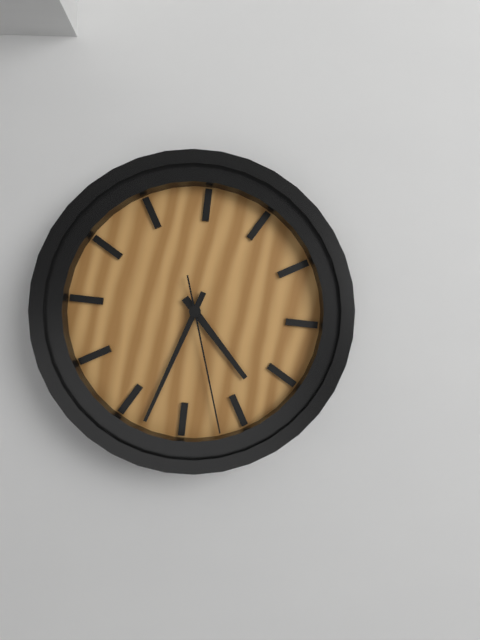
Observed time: 4:33:27
